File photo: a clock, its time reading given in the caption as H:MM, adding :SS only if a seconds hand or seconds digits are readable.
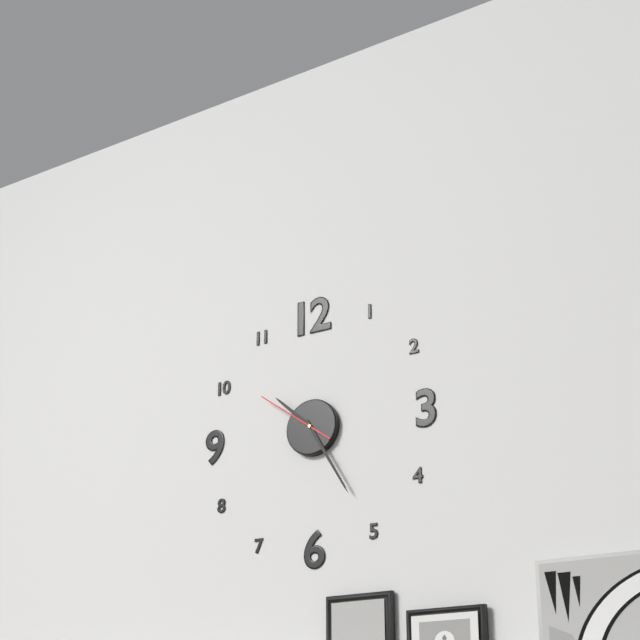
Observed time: 10:25:51
